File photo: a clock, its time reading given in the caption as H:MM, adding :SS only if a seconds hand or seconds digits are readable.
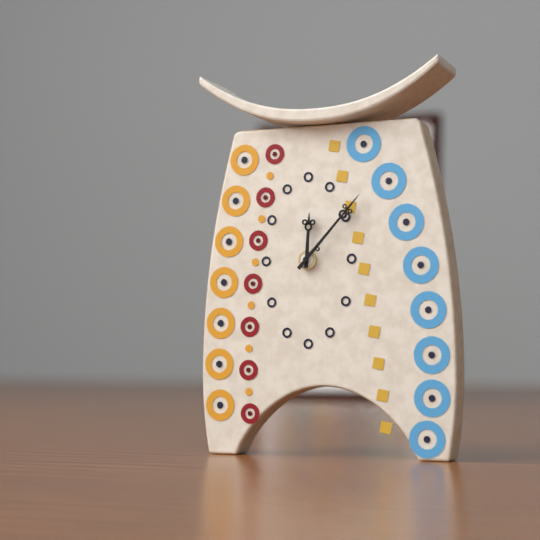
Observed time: 12:07
